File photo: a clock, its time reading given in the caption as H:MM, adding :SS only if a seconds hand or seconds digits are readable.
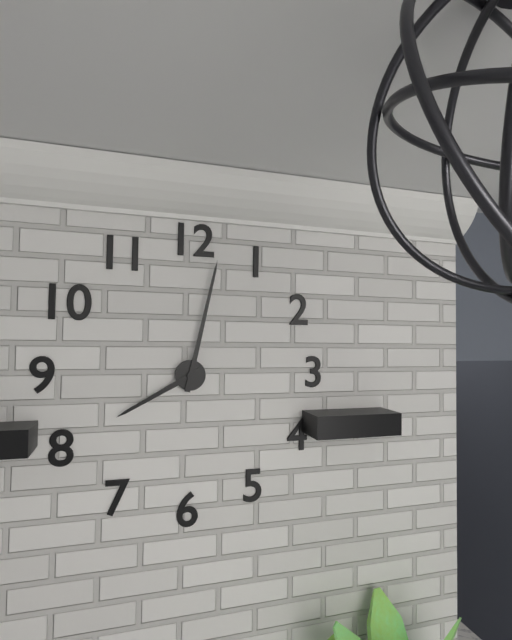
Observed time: 8:02
